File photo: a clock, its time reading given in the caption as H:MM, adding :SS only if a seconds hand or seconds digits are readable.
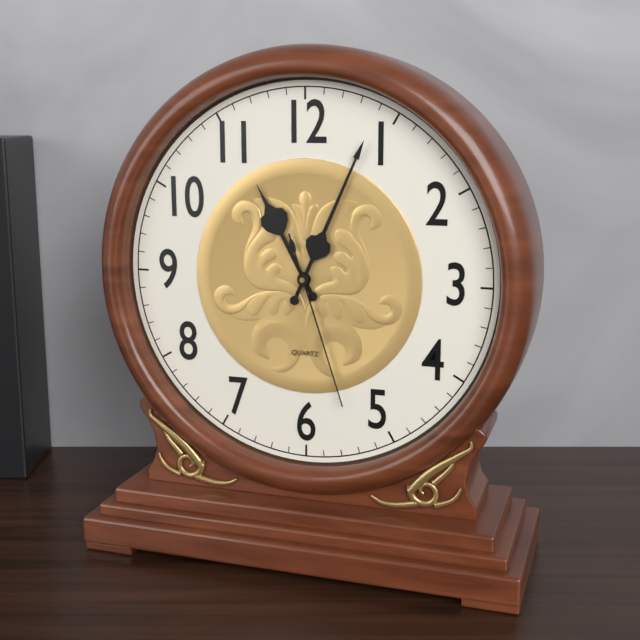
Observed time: 11:04:27
